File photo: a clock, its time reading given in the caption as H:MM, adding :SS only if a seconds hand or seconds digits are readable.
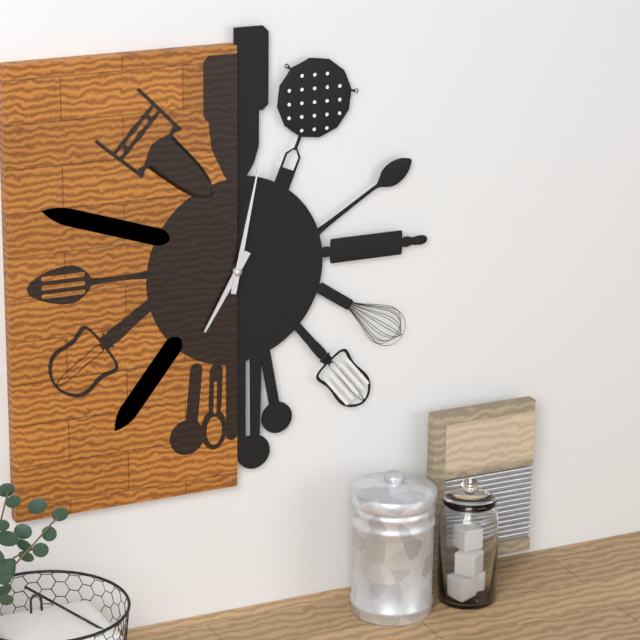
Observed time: 7:02
